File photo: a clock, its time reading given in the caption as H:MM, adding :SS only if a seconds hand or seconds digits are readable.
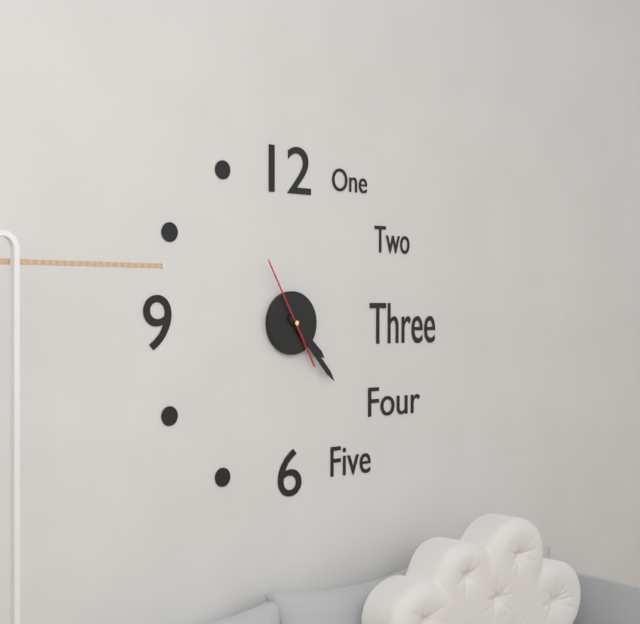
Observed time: 4:23:55
